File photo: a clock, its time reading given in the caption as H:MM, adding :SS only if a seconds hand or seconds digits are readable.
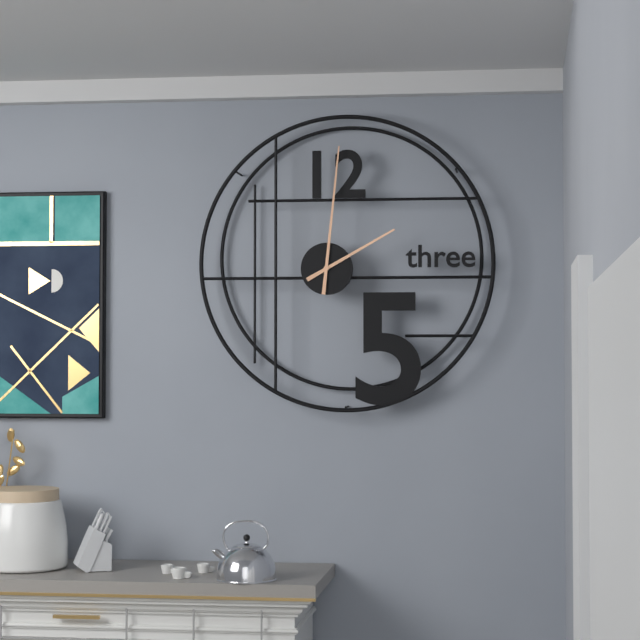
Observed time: 2:01
